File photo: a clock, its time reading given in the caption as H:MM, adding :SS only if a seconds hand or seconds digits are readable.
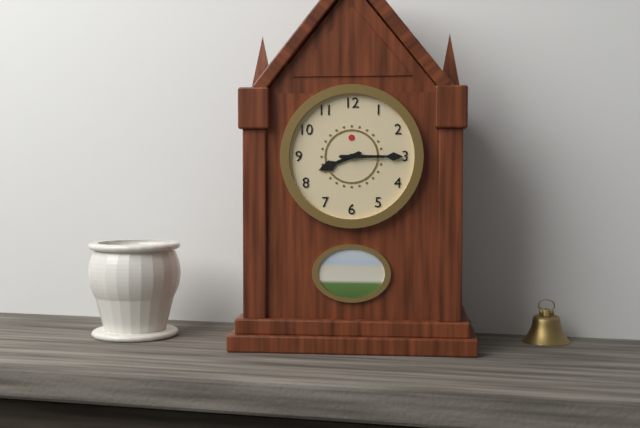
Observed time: 8:15
